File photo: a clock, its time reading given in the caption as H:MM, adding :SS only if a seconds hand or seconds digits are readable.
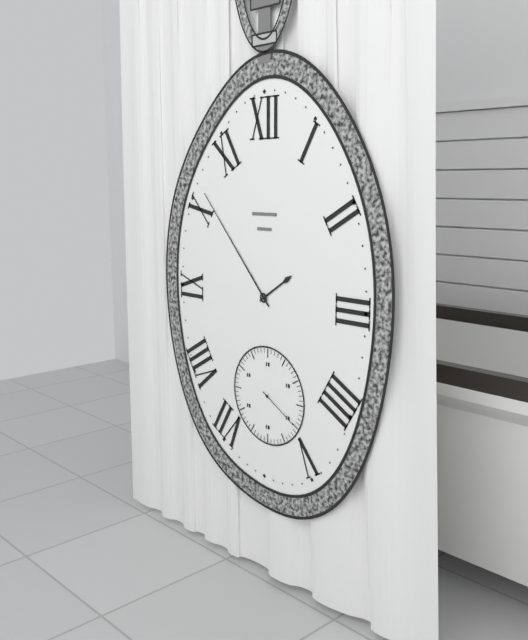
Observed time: 1:53
